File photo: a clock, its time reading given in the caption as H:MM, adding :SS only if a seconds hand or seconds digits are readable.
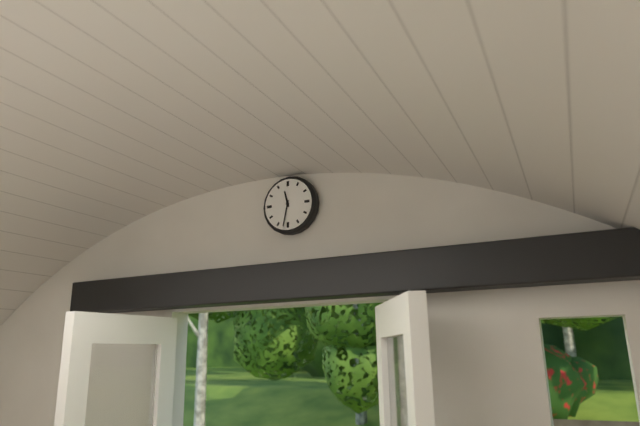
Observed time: 11:32
